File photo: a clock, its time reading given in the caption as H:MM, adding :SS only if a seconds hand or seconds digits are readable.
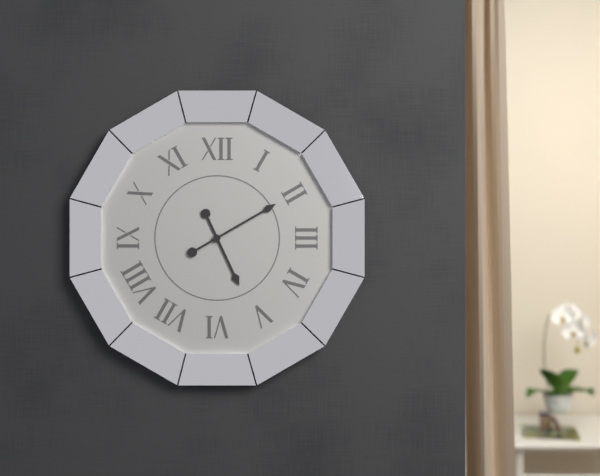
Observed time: 5:10
